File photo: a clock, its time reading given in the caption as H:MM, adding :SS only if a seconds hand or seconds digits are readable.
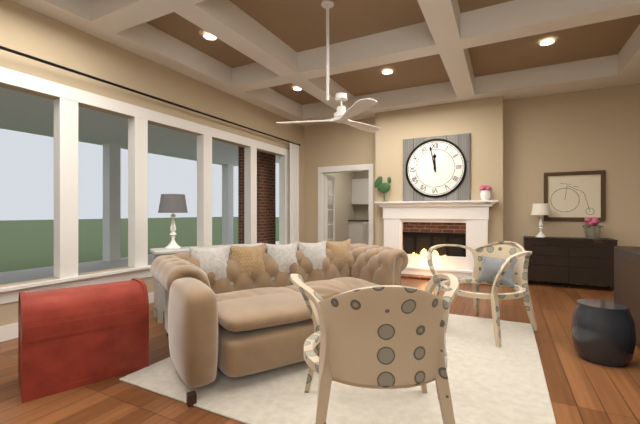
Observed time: 11:58
